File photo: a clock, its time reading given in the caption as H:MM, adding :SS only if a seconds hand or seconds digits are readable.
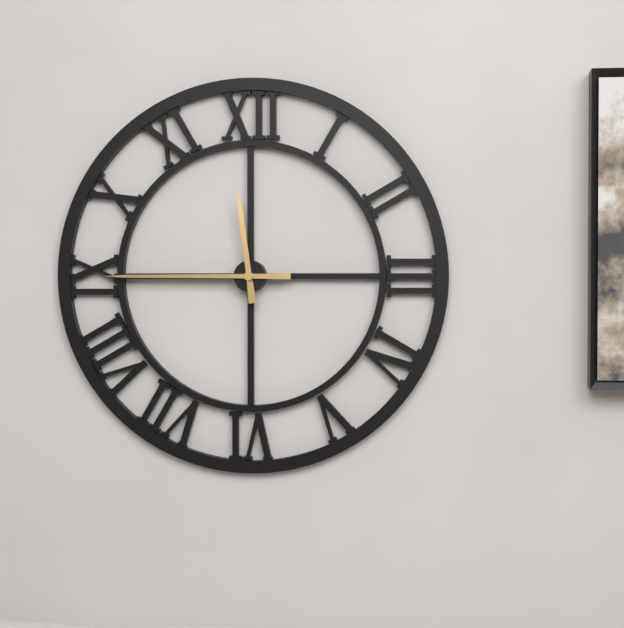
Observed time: 11:45
